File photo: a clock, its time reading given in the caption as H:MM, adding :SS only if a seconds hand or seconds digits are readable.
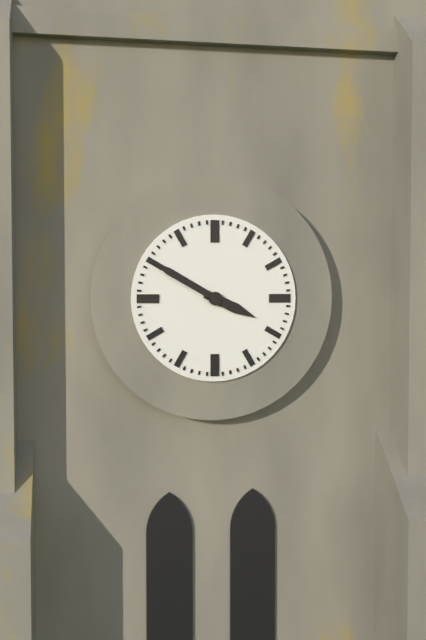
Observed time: 3:50
